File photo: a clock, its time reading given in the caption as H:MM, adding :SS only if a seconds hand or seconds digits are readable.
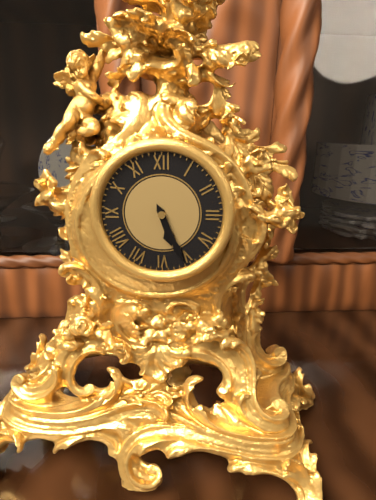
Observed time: 5:26
